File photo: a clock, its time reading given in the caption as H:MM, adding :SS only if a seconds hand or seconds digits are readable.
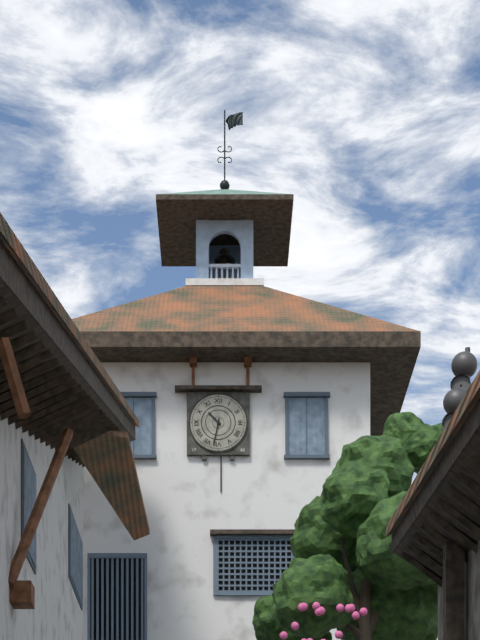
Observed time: 10:32
